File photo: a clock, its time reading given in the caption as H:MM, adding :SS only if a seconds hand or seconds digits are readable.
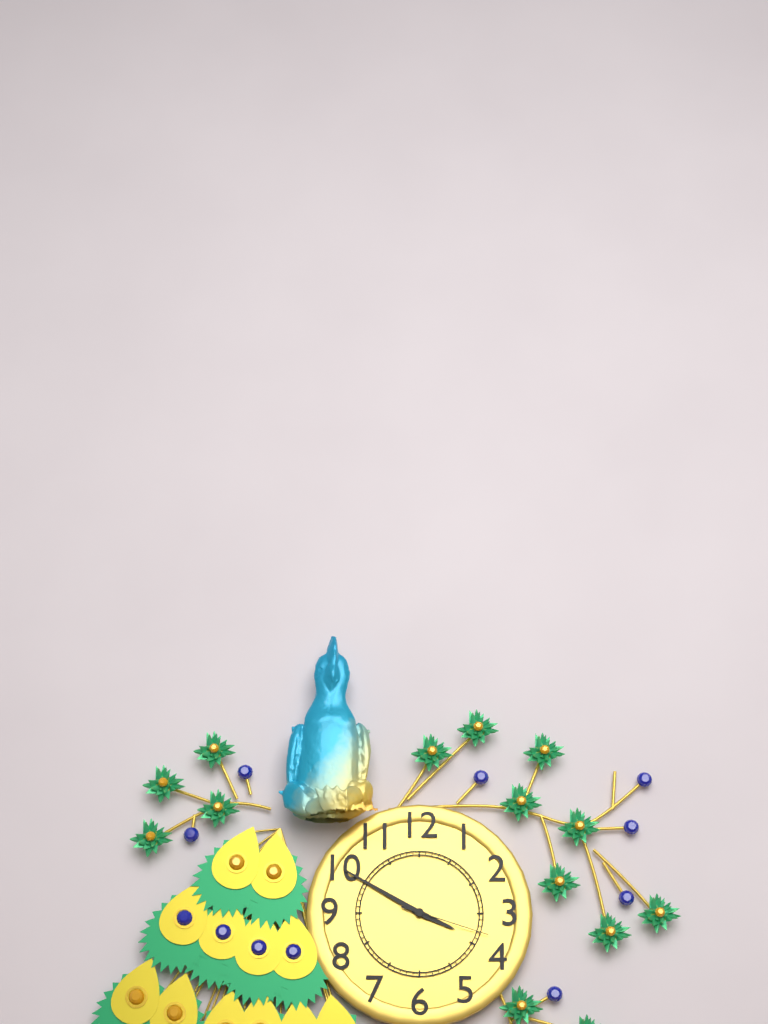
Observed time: 3:50:18
